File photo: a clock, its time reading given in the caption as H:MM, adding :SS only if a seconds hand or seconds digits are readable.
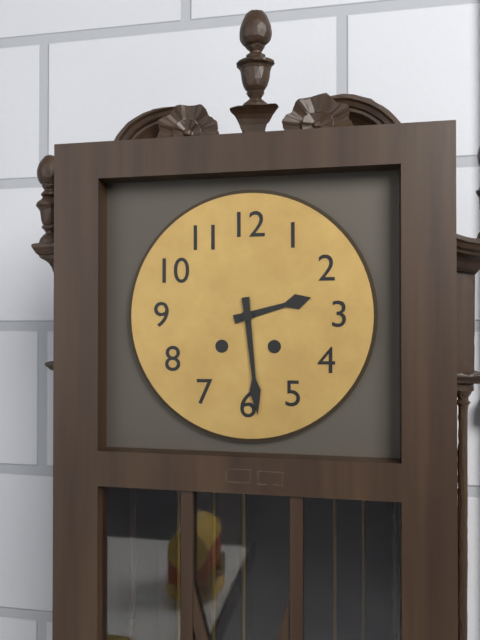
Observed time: 2:29
